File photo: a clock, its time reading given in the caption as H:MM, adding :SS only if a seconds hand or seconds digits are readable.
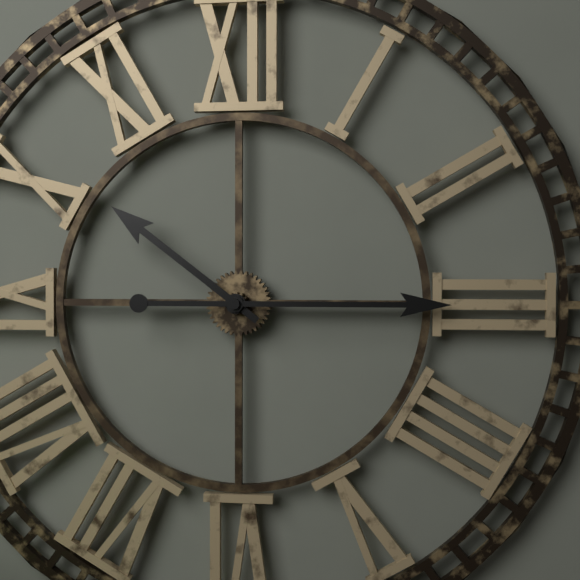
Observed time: 10:15
